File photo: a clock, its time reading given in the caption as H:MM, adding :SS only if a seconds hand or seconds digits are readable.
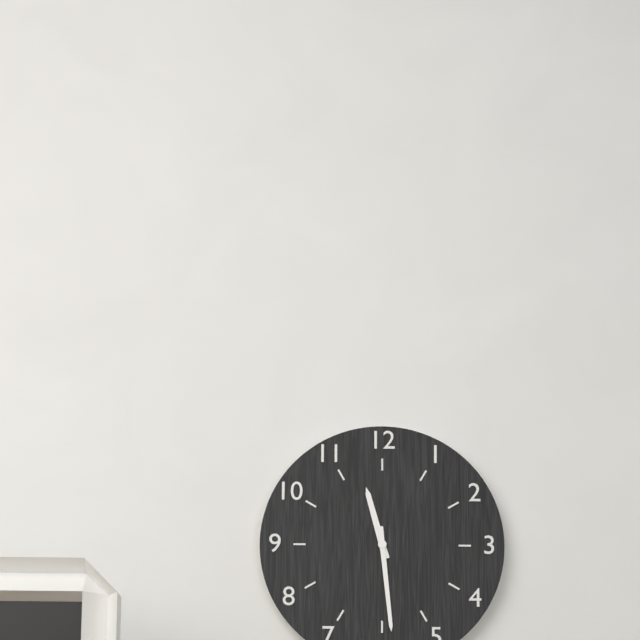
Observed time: 11:29
